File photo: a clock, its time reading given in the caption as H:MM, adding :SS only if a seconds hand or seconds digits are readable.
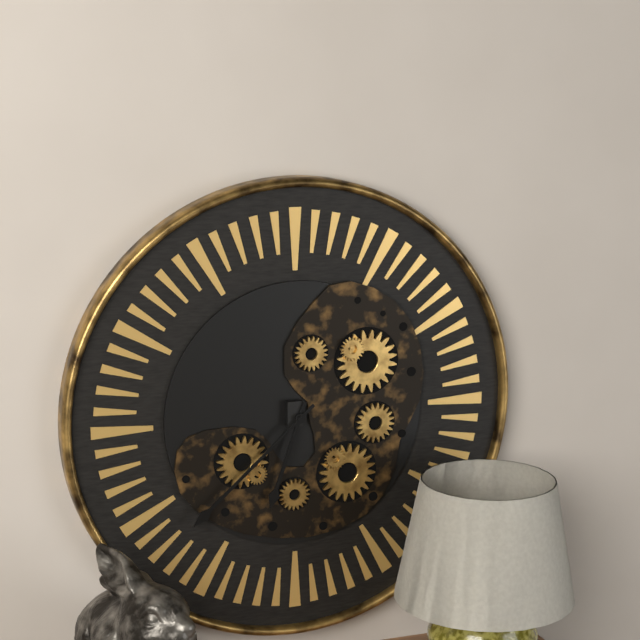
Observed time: 6:38
